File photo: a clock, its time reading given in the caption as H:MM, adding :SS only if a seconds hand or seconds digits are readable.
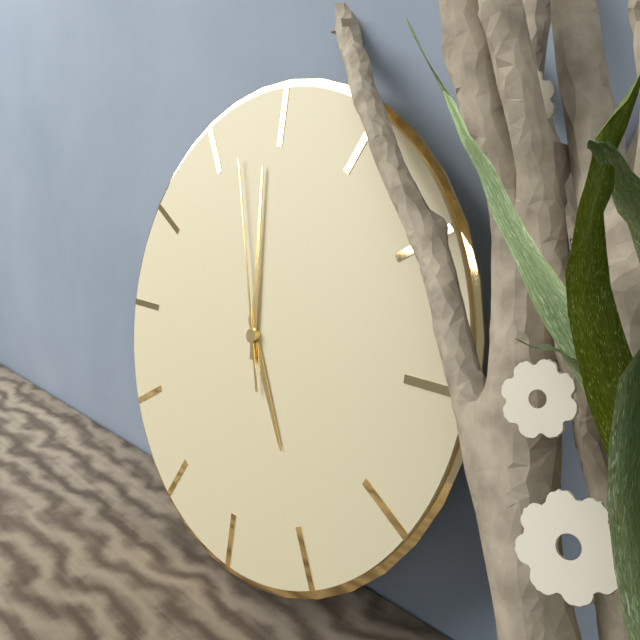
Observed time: 4:59:57
